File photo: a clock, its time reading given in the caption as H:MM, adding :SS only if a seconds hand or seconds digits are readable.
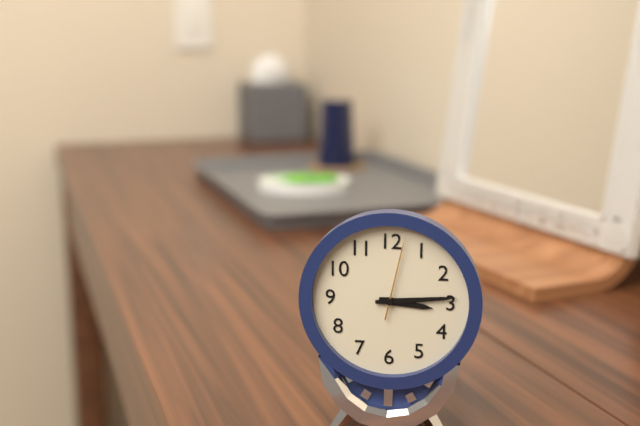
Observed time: 3:14:02
